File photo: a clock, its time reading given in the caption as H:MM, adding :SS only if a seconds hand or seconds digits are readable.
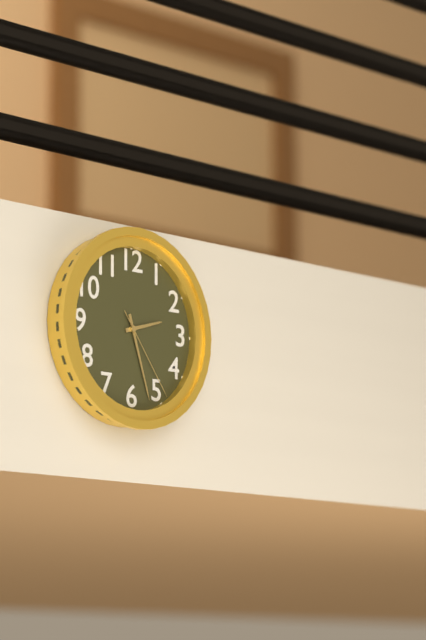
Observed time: 2:27:24
